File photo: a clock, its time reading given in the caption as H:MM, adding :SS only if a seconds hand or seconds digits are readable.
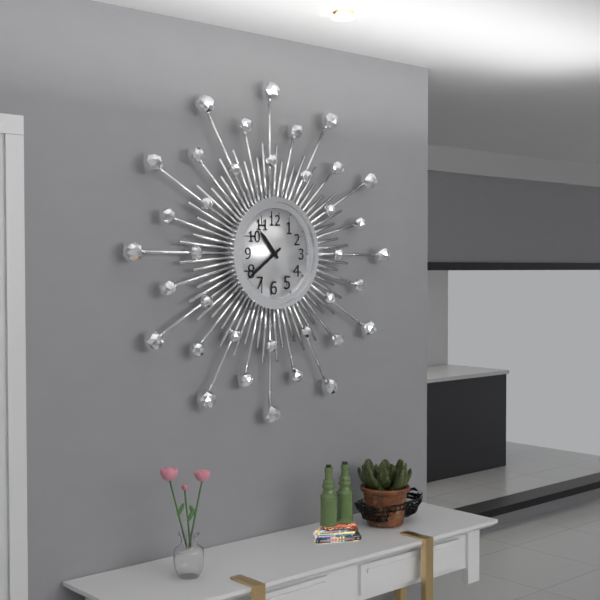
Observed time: 10:39
